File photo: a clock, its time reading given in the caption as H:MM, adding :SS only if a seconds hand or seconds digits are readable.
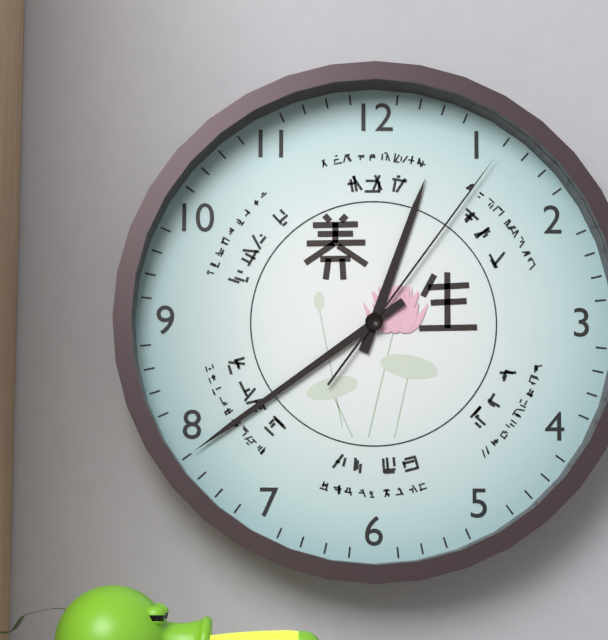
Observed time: 12:39:06
